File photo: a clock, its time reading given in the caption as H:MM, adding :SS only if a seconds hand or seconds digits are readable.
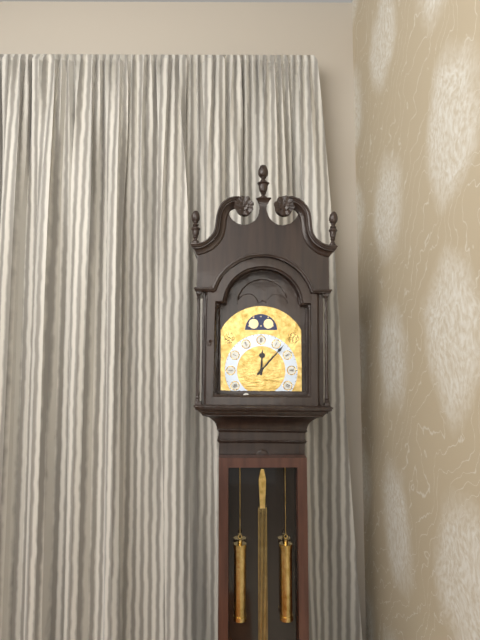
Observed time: 12:07
